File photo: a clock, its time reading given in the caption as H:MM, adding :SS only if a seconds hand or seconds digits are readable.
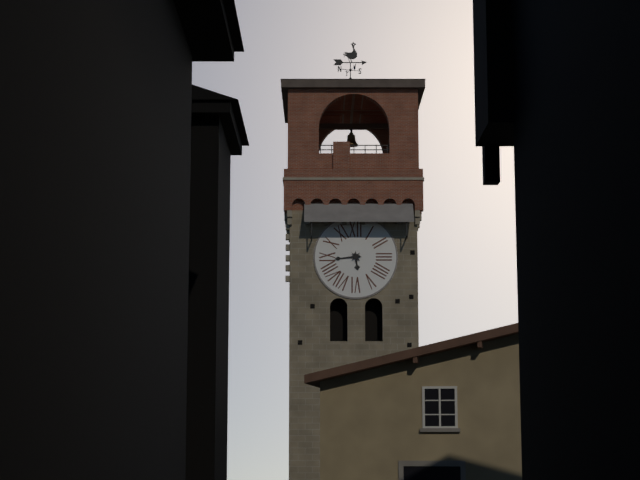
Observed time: 5:44
